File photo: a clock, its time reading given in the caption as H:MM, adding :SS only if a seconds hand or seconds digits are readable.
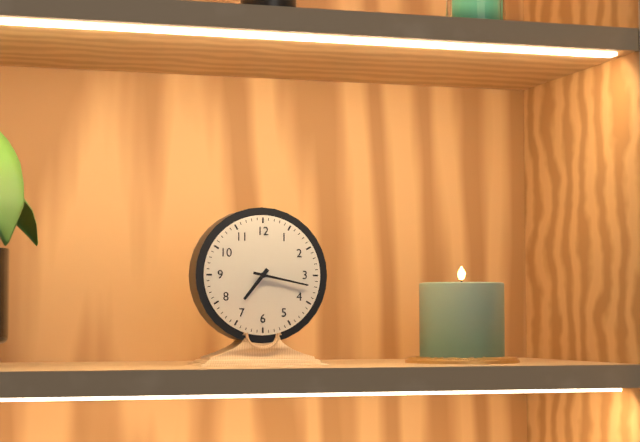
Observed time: 7:17
